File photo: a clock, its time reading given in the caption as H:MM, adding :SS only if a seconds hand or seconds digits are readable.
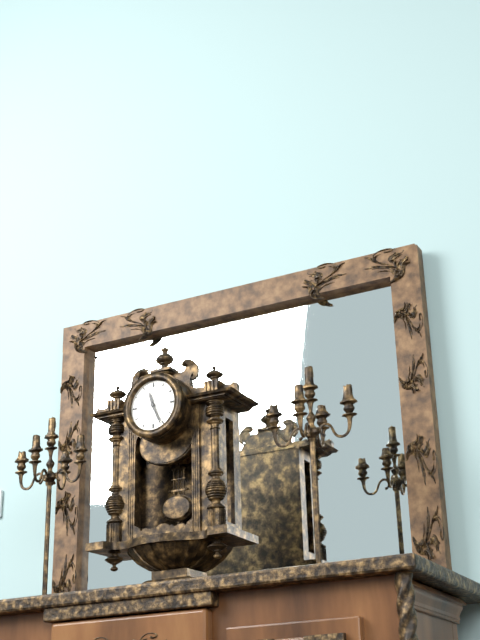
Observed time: 11:26
